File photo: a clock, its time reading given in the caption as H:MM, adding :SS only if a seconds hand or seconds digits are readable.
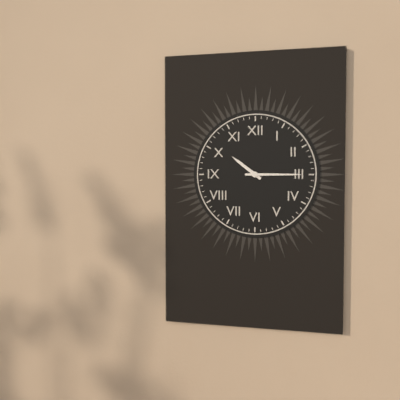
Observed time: 10:15
